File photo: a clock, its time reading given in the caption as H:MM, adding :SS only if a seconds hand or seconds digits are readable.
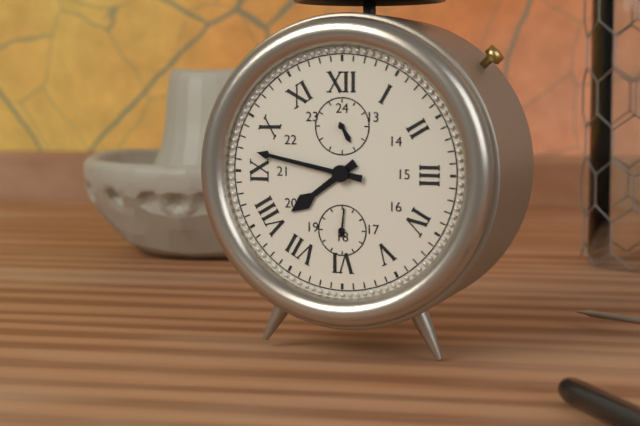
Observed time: 7:47
